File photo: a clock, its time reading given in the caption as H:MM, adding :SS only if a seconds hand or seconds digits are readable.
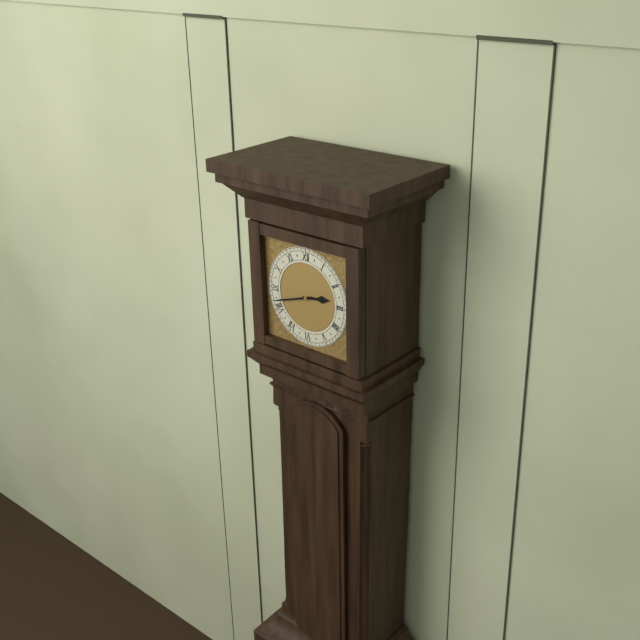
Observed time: 2:42
